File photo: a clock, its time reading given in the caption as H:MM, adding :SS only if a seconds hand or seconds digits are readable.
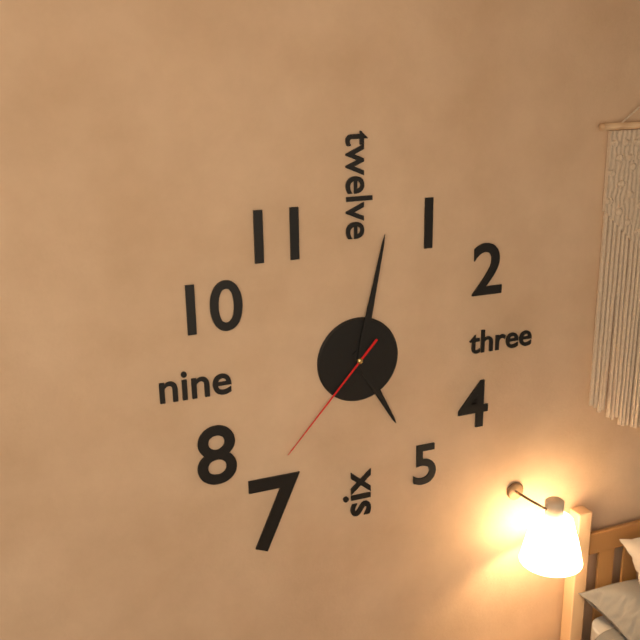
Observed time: 5:02:37
